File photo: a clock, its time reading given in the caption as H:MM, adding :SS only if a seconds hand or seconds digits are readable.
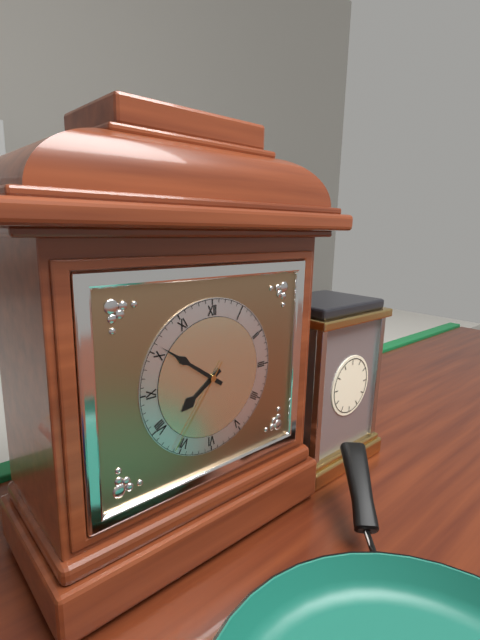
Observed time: 7:51:36
